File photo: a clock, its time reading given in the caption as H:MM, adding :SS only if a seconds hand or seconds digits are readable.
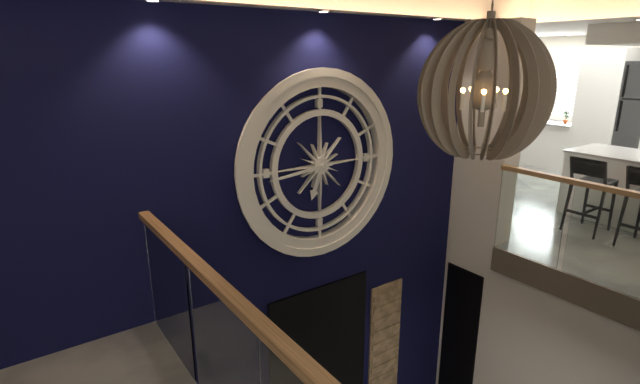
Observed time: 6:44
